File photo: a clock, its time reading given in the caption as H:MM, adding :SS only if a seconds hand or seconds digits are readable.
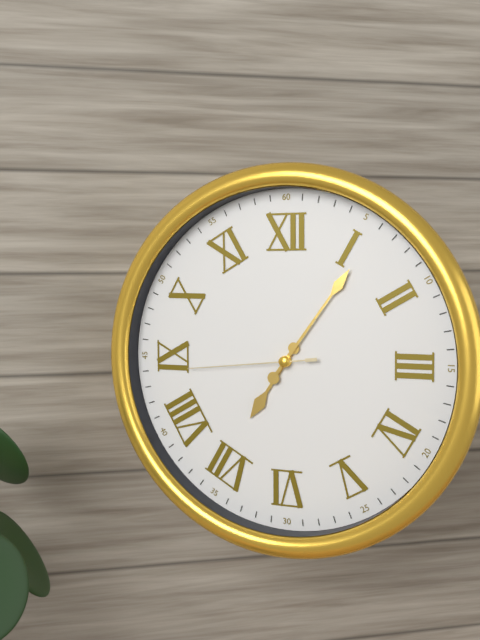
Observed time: 7:06:44
